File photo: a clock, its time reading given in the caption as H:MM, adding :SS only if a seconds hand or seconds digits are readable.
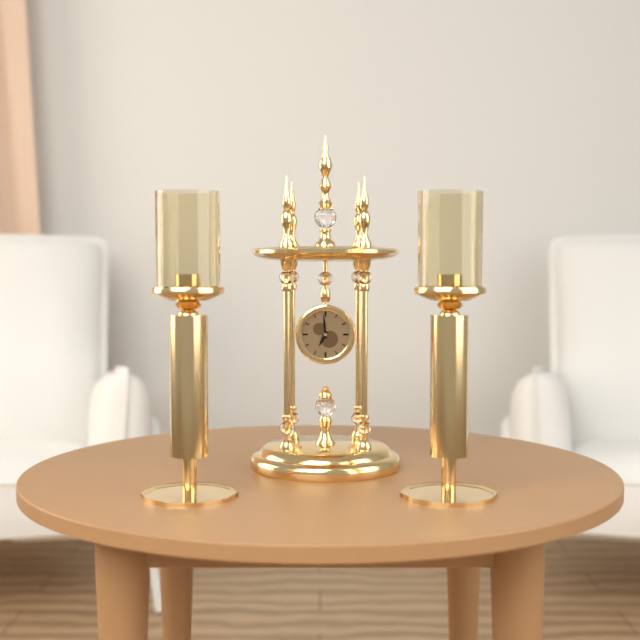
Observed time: 6:59
